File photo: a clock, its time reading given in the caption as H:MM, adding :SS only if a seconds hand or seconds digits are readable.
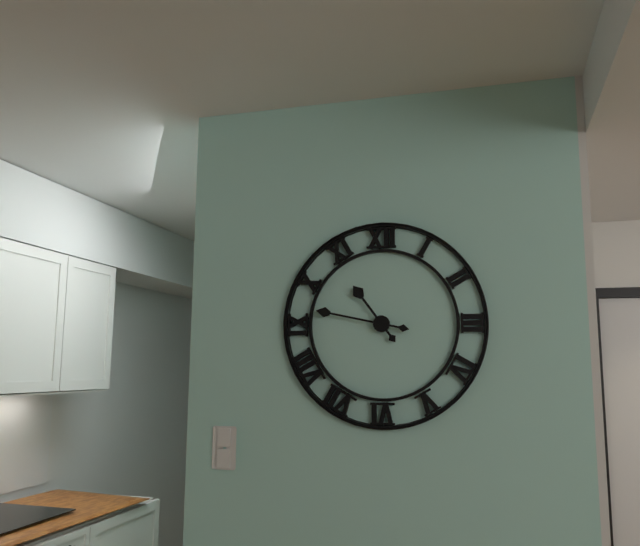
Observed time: 10:47
